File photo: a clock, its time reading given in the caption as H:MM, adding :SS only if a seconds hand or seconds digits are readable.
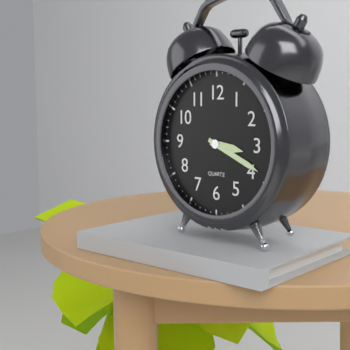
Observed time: 3:19
